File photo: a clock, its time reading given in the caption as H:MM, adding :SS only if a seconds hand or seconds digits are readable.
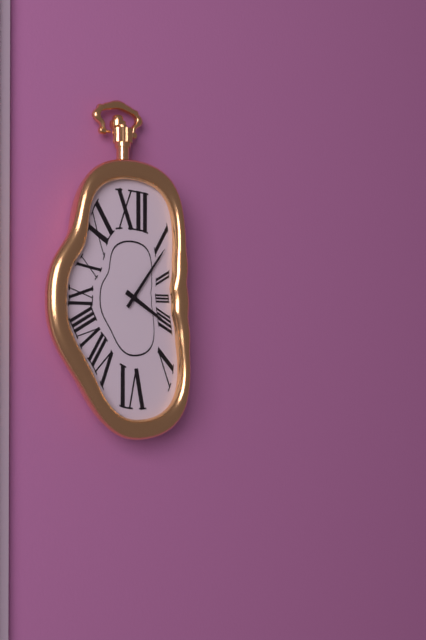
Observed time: 4:06
